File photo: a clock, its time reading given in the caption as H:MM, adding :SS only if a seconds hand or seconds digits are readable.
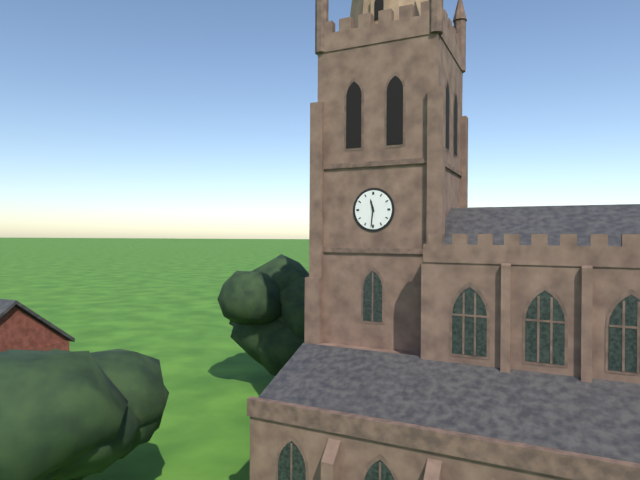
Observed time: 11:31
